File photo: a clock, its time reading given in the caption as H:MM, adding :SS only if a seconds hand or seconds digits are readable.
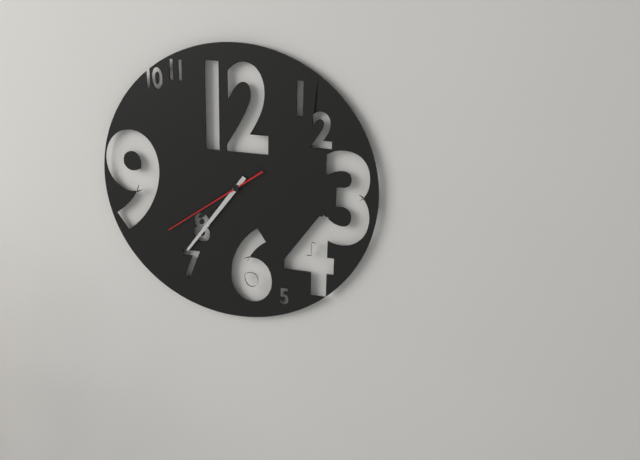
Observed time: 7:36:39
